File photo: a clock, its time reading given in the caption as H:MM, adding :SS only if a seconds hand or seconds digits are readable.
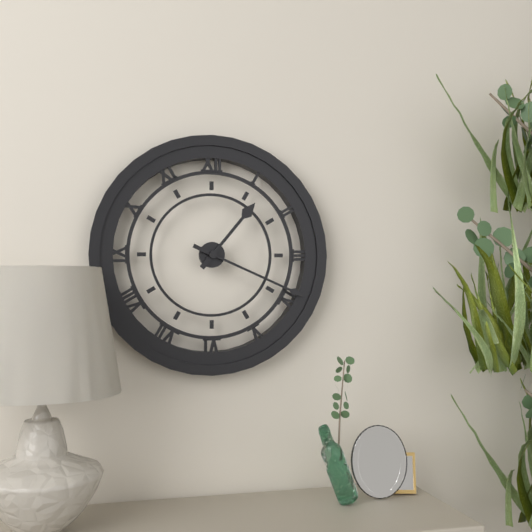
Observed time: 1:19
